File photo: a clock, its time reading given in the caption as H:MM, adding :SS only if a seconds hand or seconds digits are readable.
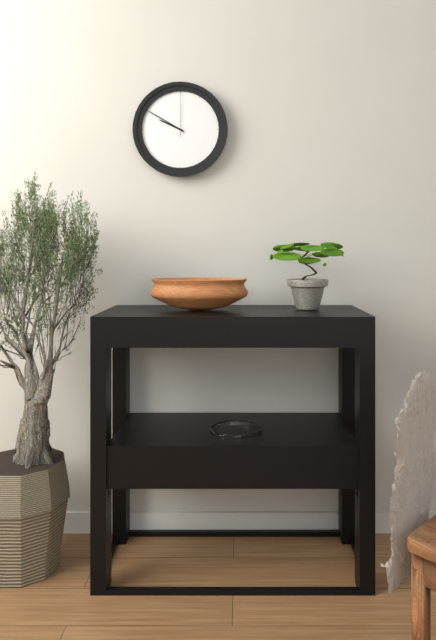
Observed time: 9:50
